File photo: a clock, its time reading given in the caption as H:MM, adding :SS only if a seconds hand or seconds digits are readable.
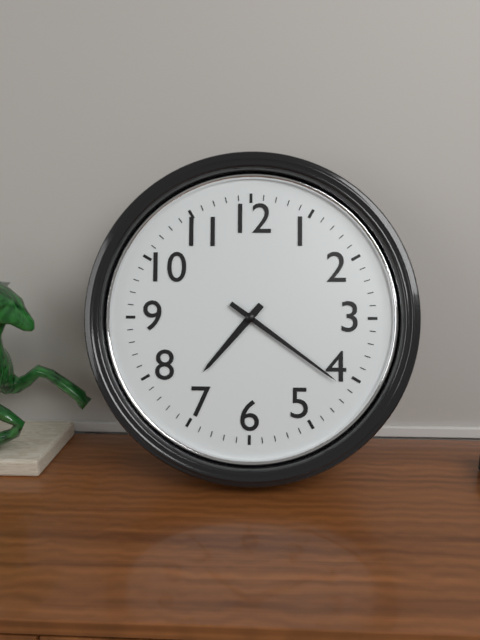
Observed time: 7:21
